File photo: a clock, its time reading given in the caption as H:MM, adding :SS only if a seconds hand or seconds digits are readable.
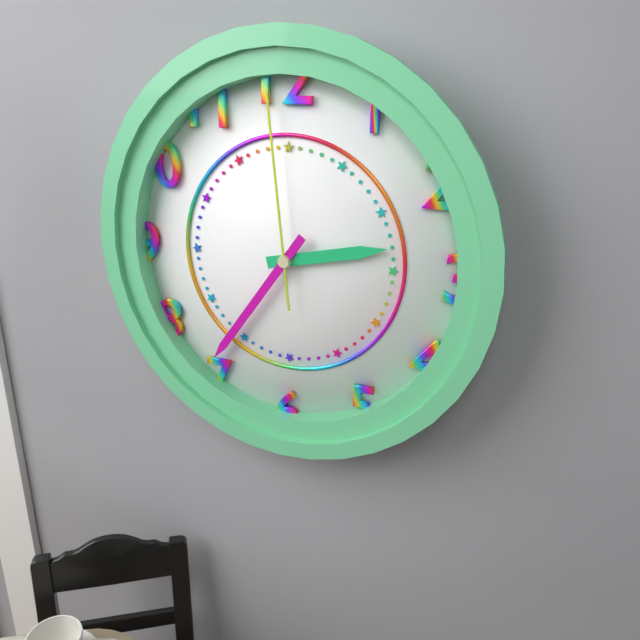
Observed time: 2:36:59
